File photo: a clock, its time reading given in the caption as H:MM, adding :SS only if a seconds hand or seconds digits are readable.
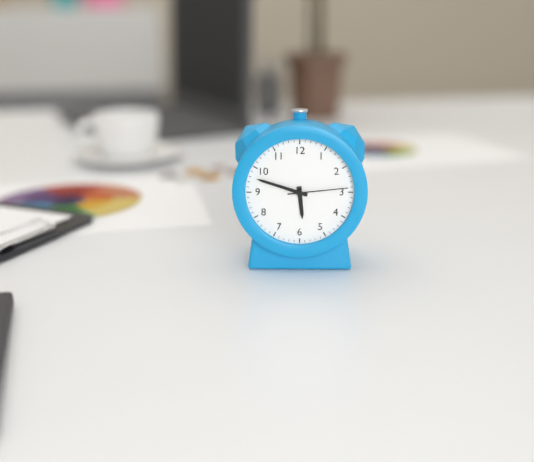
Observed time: 5:48:14
